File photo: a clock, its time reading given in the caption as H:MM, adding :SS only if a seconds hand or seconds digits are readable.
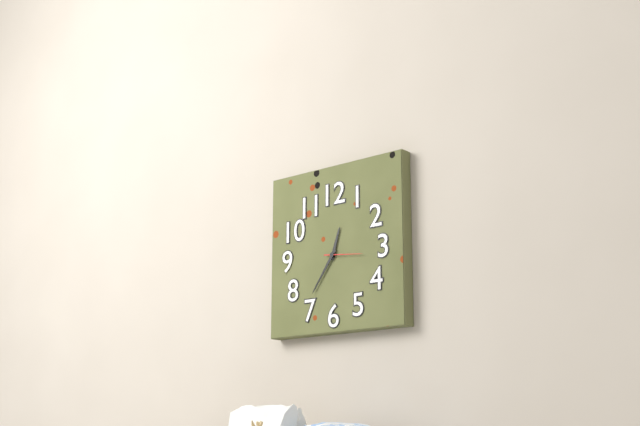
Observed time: 12:36
